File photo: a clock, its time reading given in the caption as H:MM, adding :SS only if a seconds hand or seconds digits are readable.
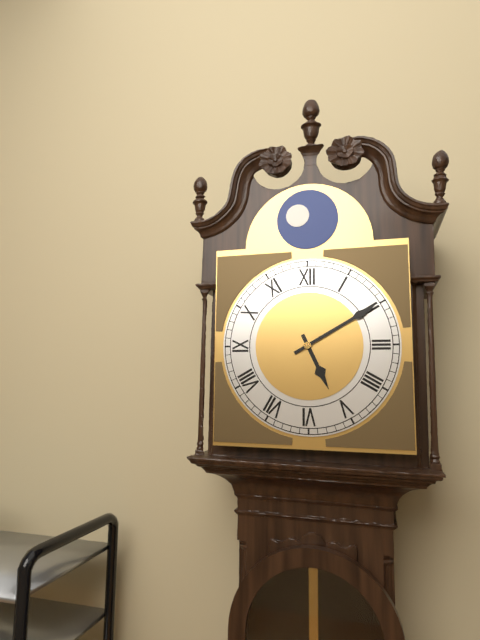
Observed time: 5:10
